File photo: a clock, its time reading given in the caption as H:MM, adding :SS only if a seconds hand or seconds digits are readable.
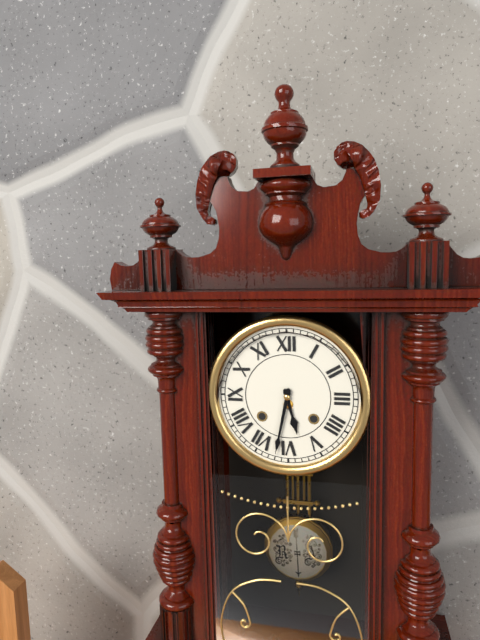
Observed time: 5:32
